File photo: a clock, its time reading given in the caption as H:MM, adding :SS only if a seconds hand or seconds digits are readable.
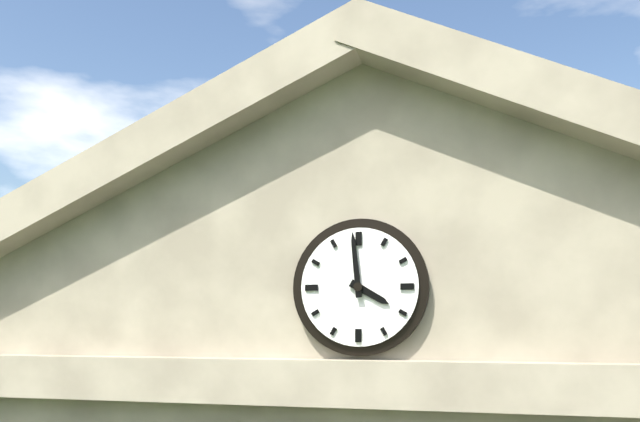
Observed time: 3:59
